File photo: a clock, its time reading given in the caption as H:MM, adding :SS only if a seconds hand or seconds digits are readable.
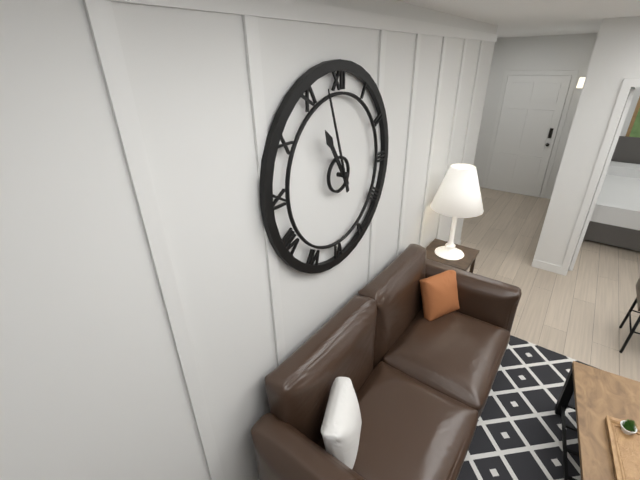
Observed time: 10:57
